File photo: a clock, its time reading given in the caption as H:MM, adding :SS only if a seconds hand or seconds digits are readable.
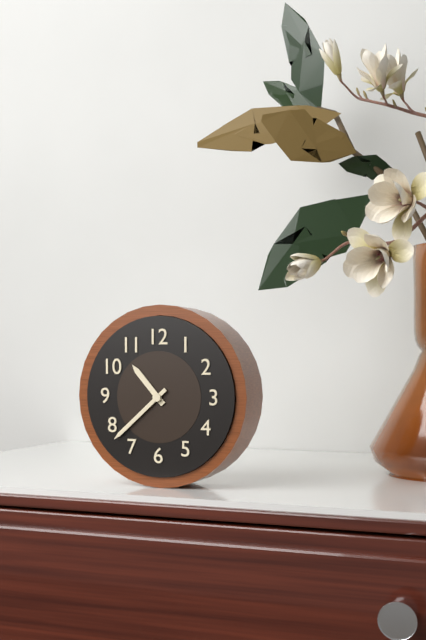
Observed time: 10:38
